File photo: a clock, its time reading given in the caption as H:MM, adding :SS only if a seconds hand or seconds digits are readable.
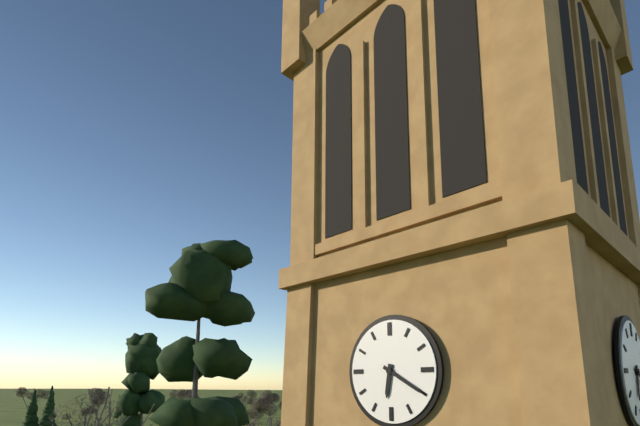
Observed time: 6:20
